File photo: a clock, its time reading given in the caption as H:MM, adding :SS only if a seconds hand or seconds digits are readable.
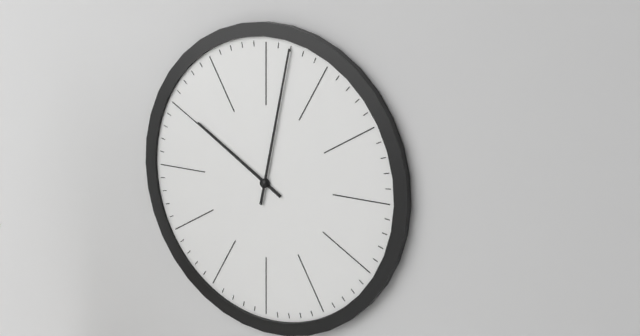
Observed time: 10:02
